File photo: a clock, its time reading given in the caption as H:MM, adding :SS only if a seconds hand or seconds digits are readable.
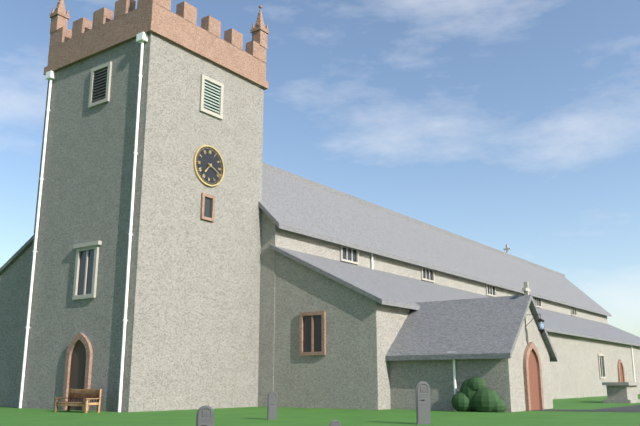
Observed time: 7:19
